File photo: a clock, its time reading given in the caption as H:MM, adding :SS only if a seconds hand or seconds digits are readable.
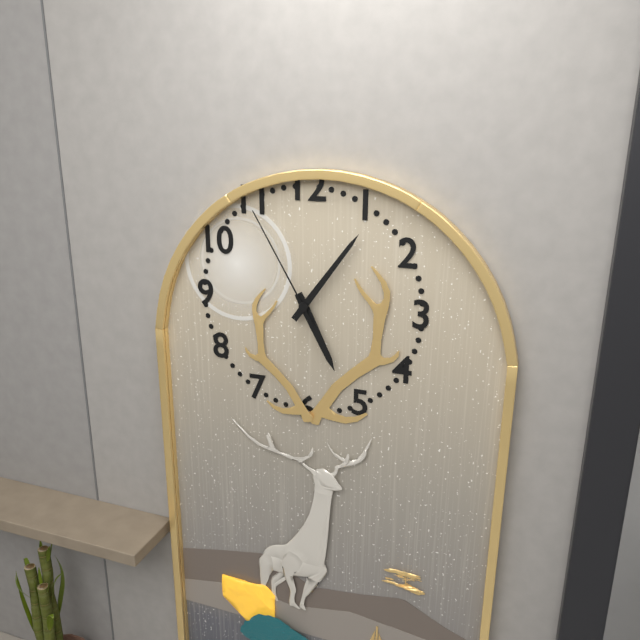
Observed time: 5:06:55
